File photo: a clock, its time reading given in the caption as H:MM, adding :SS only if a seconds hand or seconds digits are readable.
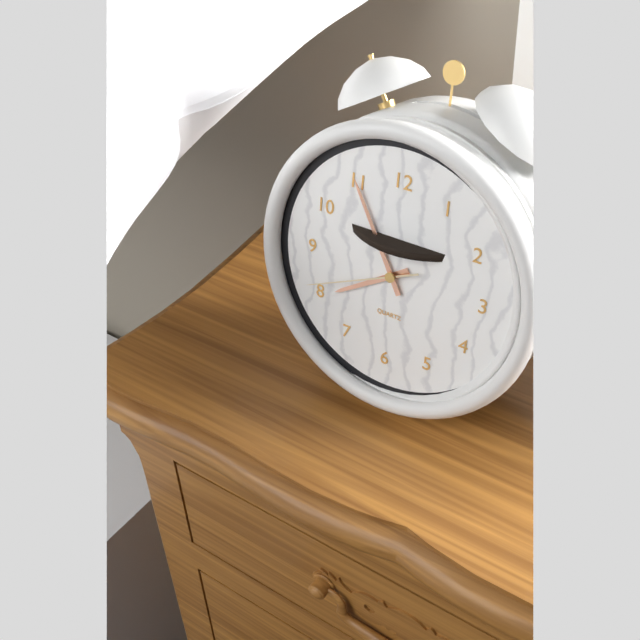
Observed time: 7:55:41
